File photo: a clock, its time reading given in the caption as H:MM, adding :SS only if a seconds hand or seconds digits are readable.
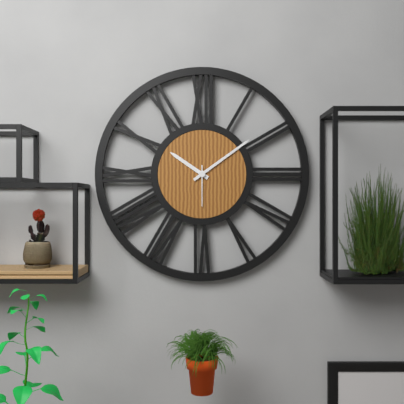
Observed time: 10:09
